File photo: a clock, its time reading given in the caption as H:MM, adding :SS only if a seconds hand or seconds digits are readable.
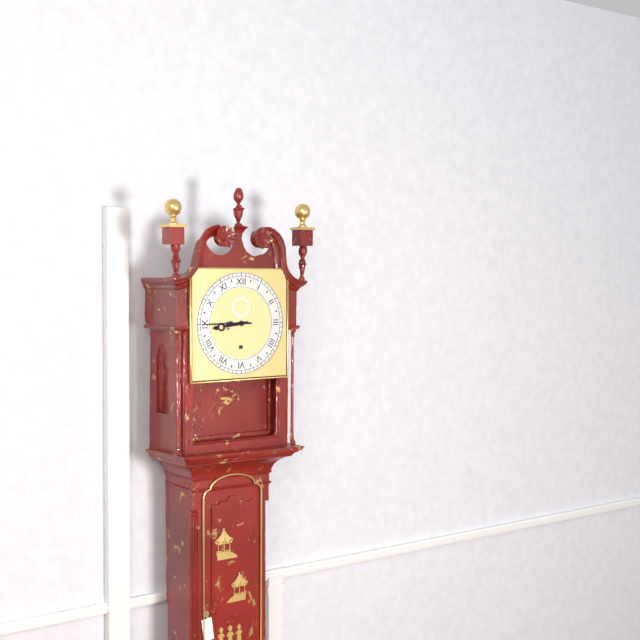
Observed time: 8:45
